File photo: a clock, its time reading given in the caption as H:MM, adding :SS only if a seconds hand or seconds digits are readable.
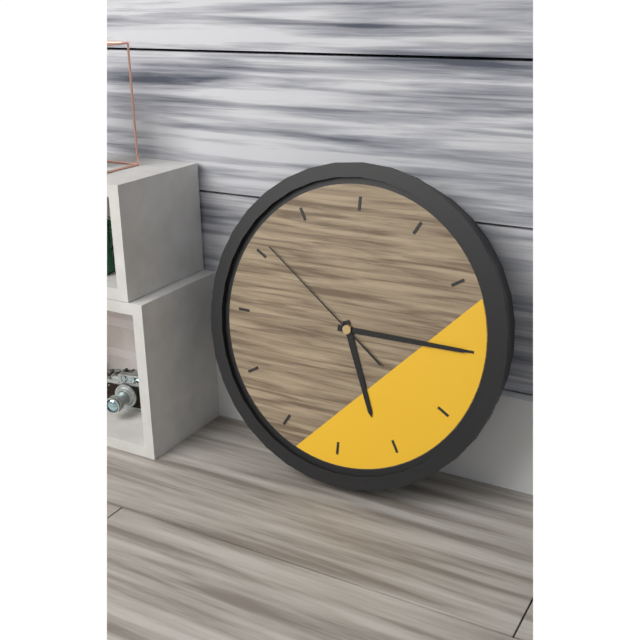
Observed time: 5:15:51
